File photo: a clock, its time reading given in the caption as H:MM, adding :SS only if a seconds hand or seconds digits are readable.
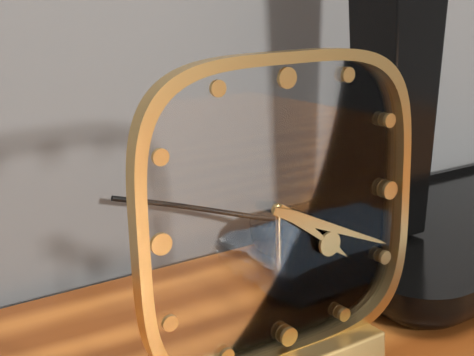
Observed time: 4:19
